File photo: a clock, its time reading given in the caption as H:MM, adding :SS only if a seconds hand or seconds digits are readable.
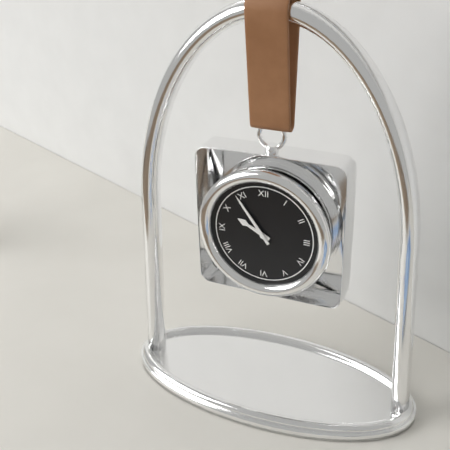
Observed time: 9:54
